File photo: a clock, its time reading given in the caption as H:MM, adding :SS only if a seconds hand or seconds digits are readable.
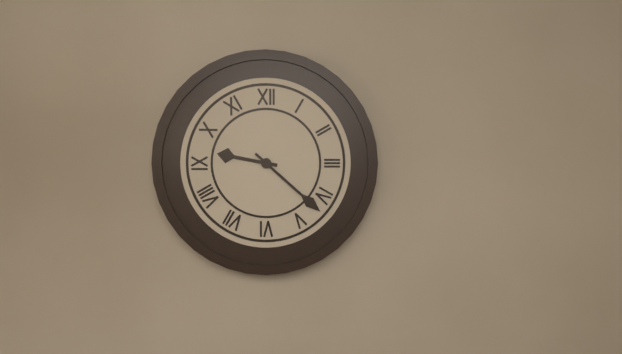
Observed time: 9:22
